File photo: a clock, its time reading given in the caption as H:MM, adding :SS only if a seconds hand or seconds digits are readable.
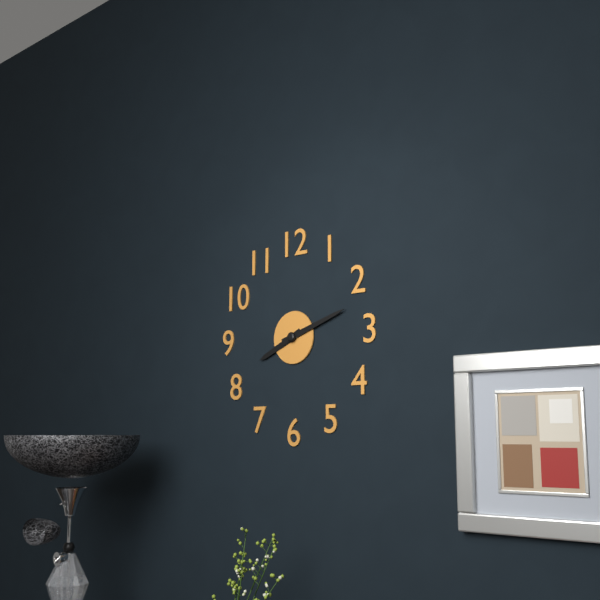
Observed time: 8:12
